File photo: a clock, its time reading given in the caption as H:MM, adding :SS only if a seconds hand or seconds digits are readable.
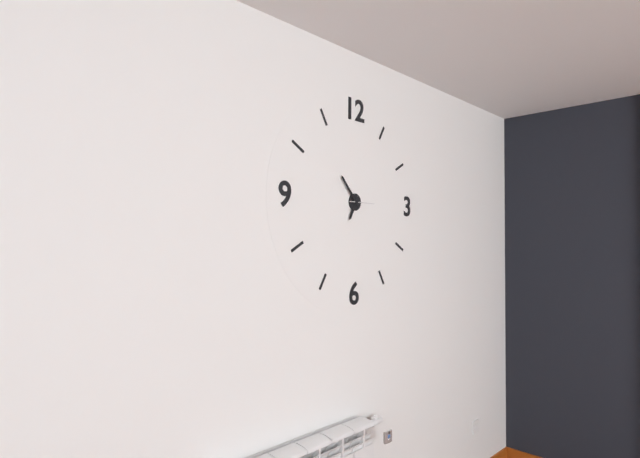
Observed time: 6:53
